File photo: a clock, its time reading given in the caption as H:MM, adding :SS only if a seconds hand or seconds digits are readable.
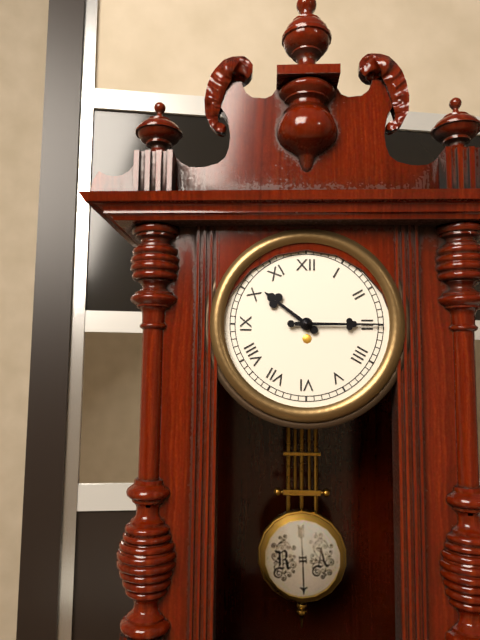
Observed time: 10:15
